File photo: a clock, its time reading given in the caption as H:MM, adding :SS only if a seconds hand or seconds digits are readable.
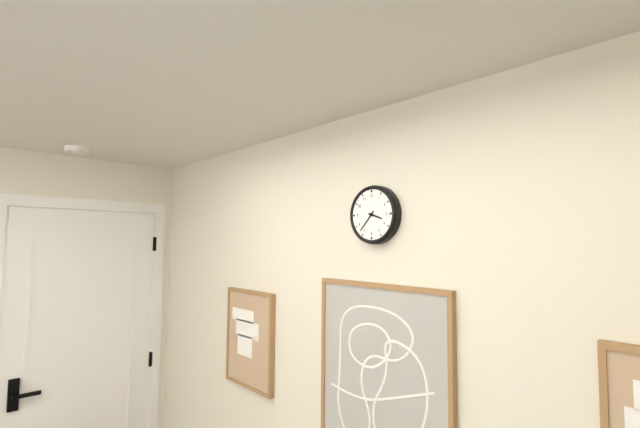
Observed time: 3:37
